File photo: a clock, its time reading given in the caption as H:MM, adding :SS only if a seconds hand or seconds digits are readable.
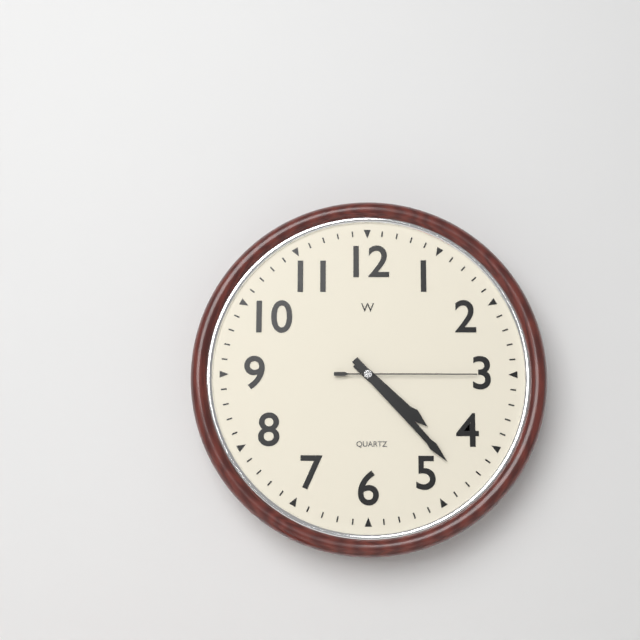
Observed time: 4:23:15
